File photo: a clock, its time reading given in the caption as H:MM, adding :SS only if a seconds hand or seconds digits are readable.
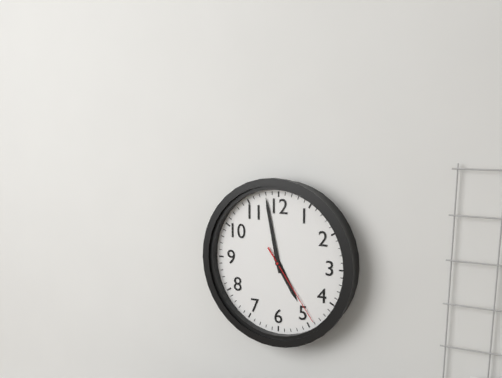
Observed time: 4:58:24
